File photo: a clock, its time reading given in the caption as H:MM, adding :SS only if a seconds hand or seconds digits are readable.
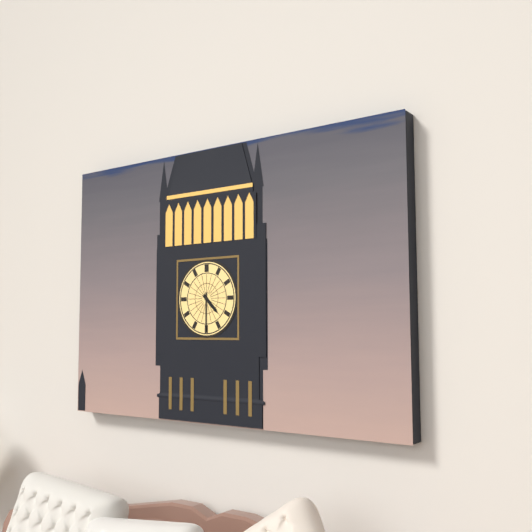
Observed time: 4:30
